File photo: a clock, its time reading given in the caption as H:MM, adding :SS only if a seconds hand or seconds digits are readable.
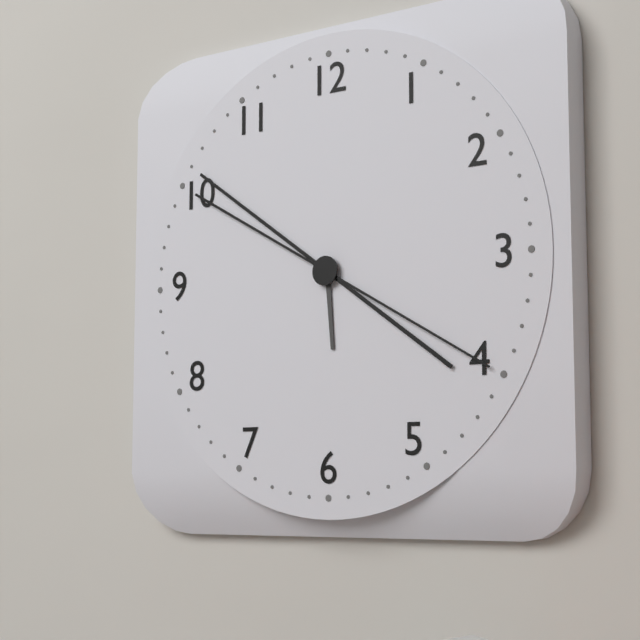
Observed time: 5:51:20
